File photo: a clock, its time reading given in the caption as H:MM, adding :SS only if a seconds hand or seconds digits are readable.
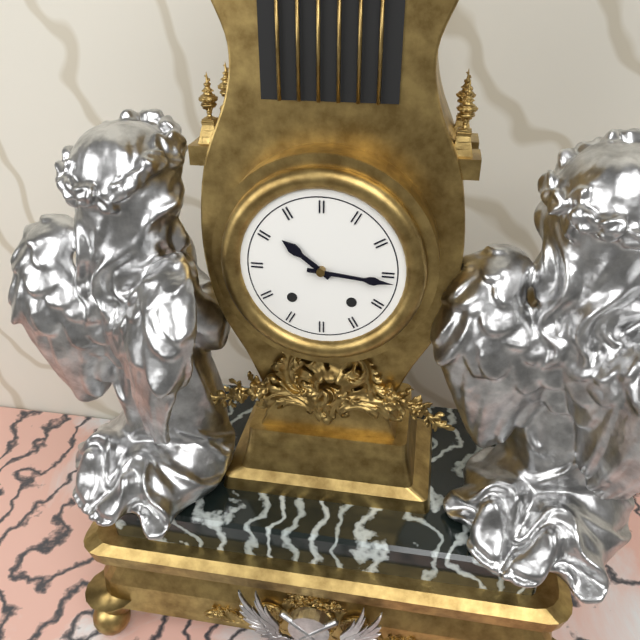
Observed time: 10:16
